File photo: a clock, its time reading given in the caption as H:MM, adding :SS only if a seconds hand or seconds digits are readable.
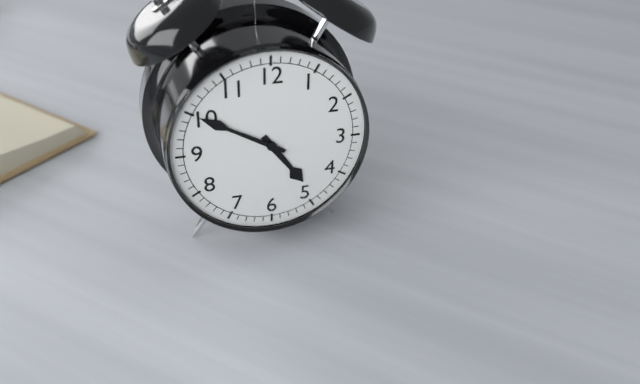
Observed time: 4:50
